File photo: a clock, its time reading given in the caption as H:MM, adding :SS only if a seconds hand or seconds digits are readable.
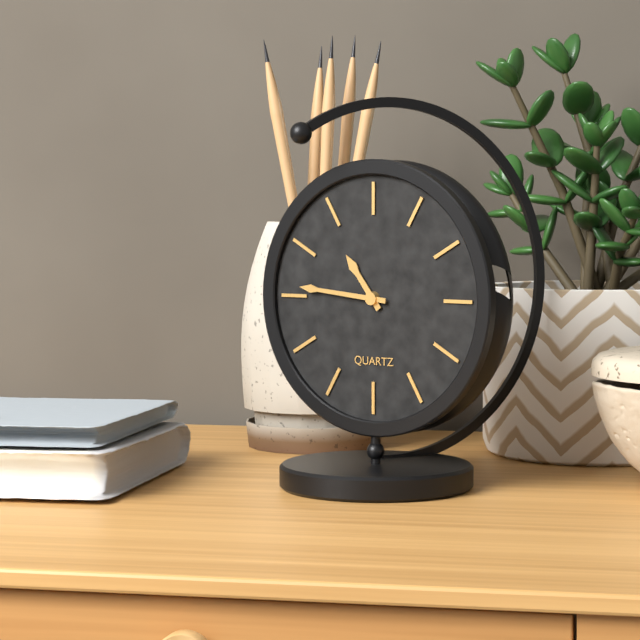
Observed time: 10:46
